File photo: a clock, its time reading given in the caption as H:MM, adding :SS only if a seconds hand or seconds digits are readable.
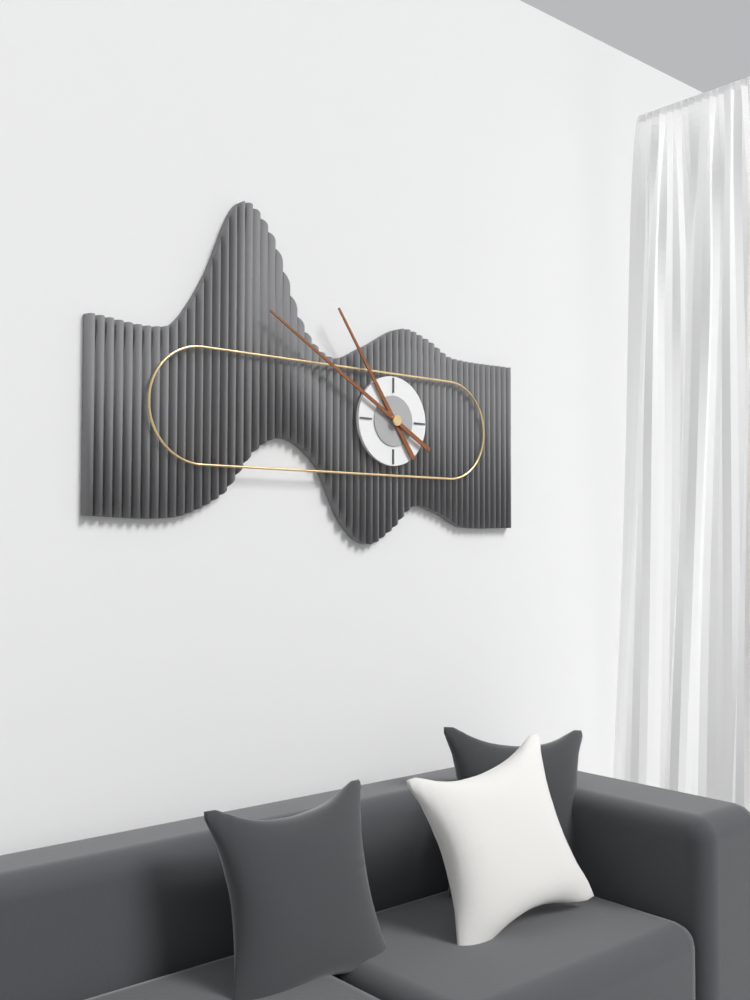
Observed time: 10:50
